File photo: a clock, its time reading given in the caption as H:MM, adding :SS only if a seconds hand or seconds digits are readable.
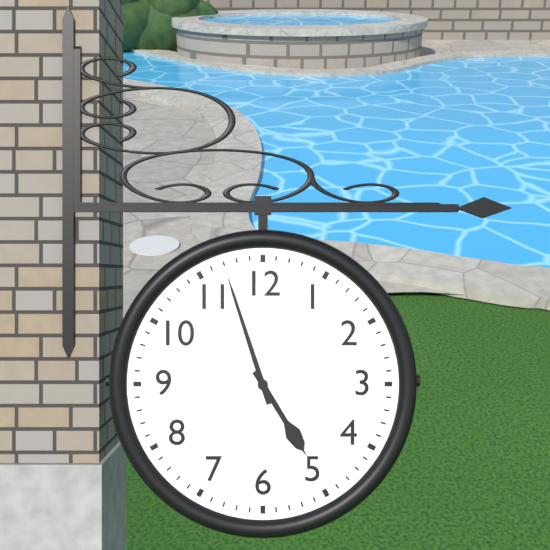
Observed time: 4:57
